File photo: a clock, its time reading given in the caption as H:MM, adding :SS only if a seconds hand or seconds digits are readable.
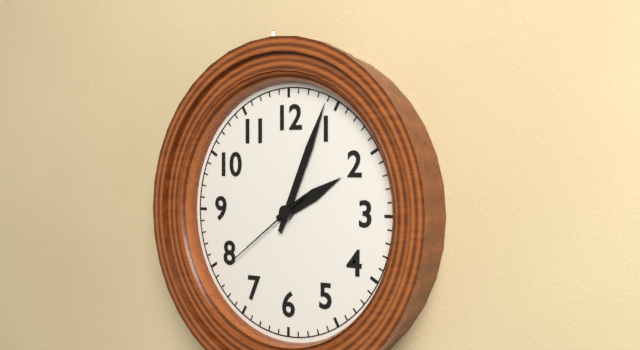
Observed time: 2:04:39
